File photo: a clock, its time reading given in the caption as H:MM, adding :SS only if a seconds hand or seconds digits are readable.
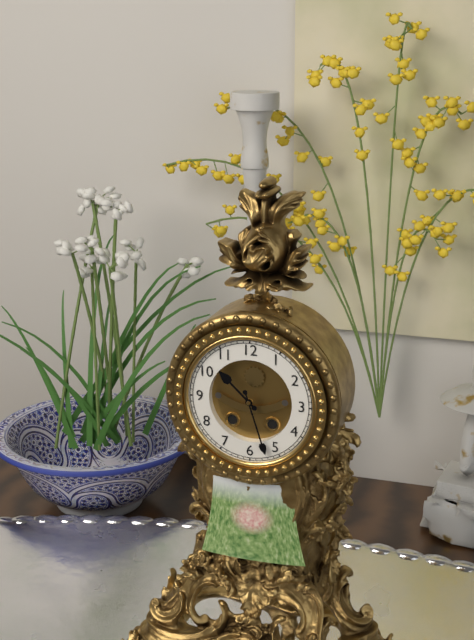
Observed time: 10:27
